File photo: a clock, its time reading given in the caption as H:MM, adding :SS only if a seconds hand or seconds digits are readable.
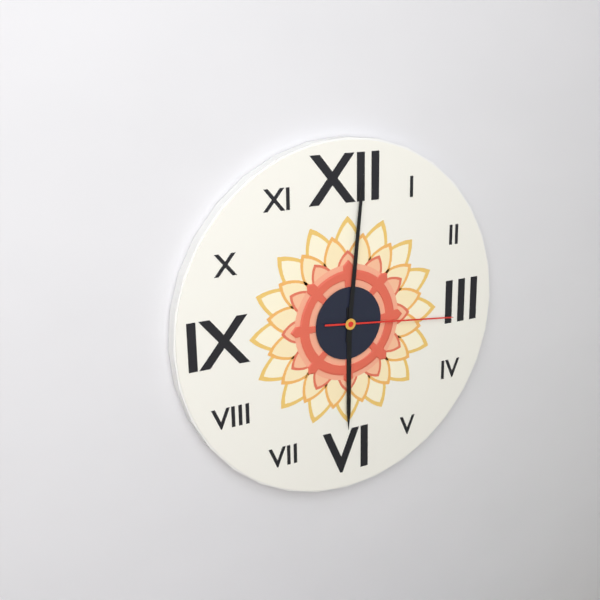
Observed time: 6:01:16
